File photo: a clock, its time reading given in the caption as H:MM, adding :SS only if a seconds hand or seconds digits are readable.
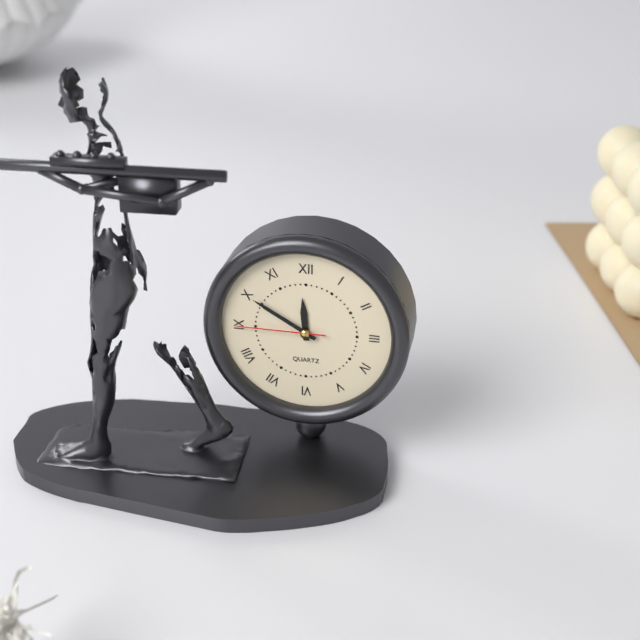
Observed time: 11:50:45
